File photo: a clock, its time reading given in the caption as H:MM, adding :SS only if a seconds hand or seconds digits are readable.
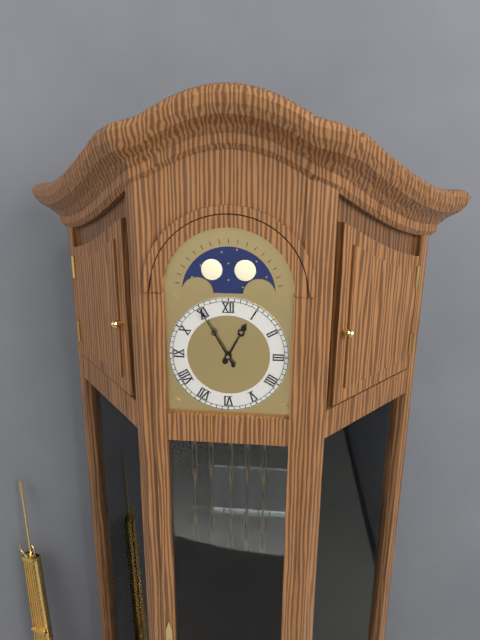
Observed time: 12:55
